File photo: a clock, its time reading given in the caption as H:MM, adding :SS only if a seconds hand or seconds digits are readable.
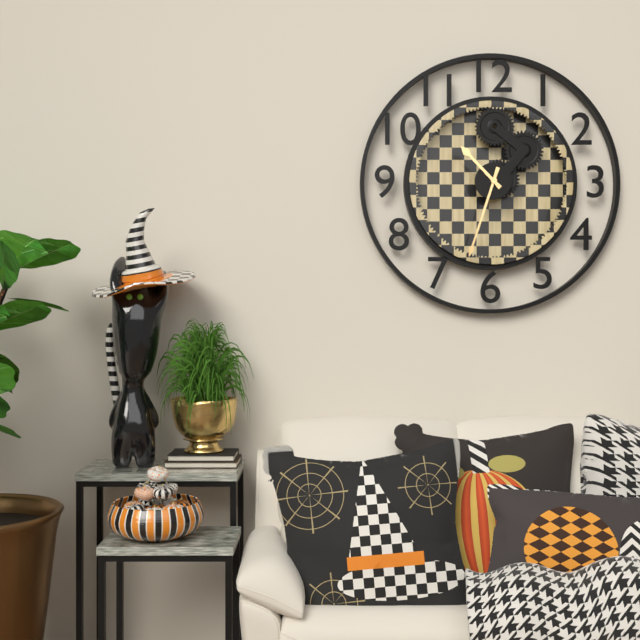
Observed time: 10:33
